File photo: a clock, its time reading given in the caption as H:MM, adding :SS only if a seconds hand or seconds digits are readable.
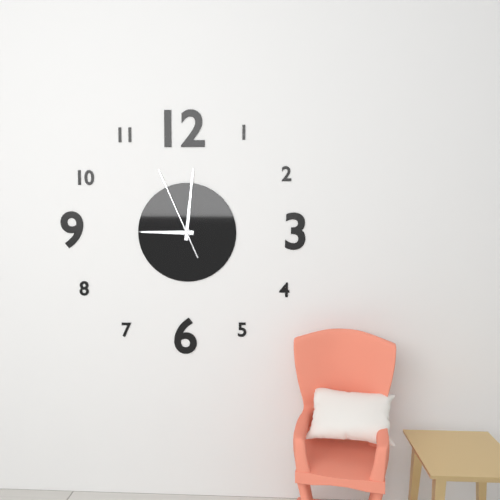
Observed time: 9:01:56
